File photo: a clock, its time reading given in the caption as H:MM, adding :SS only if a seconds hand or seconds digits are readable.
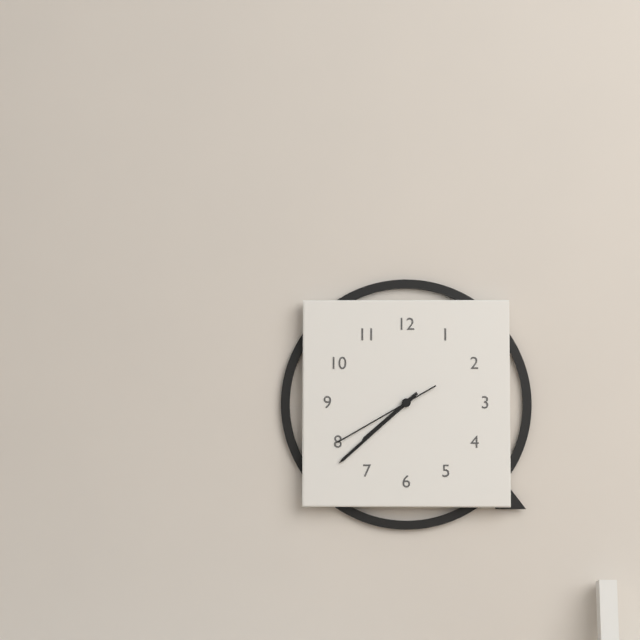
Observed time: 7:38:40
